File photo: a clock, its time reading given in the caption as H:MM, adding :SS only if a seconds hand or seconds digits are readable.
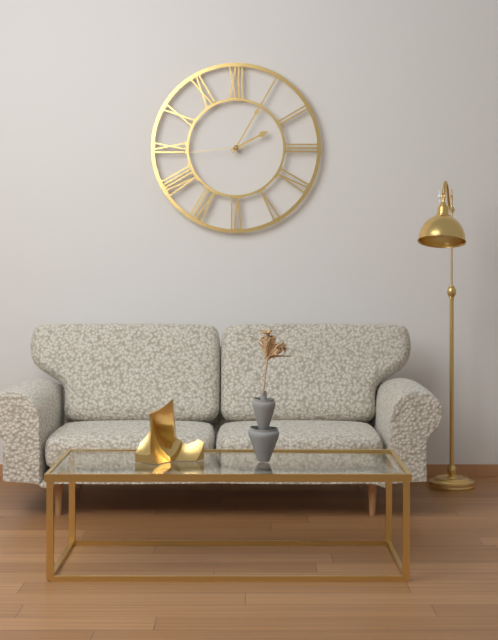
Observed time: 2:05:44
